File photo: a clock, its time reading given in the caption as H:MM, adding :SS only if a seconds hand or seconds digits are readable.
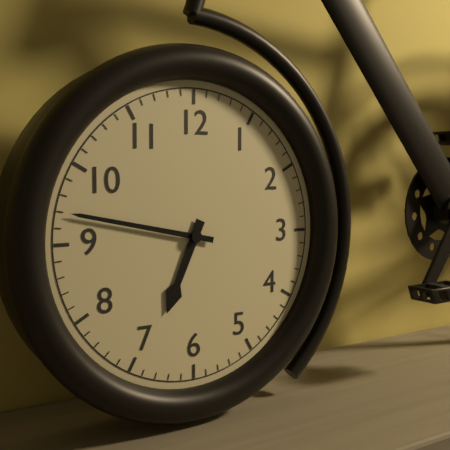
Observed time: 6:47
